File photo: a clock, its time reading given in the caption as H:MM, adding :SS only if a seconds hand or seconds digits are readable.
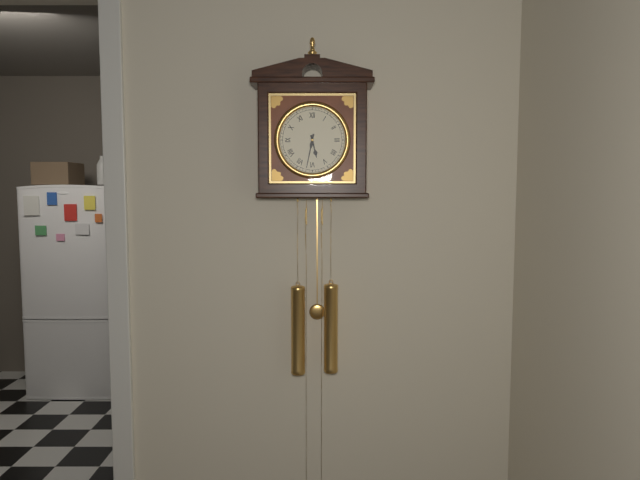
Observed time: 5:32
